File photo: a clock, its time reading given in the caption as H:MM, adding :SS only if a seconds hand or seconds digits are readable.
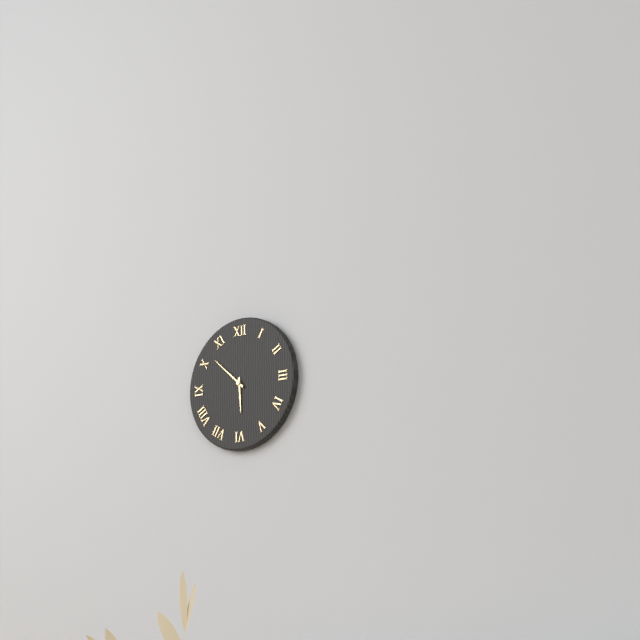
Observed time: 5:52
